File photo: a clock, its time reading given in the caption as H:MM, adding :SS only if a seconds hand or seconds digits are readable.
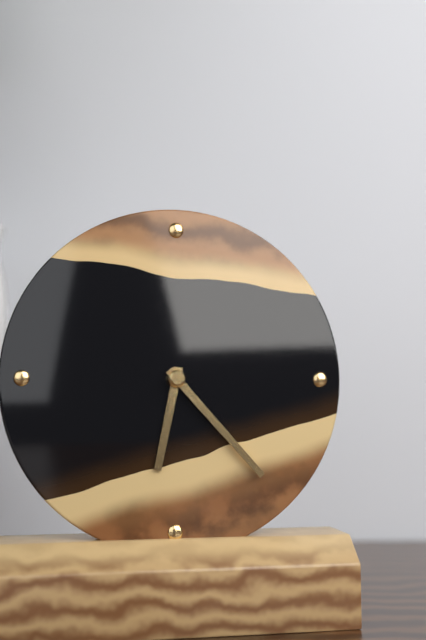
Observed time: 6:23
